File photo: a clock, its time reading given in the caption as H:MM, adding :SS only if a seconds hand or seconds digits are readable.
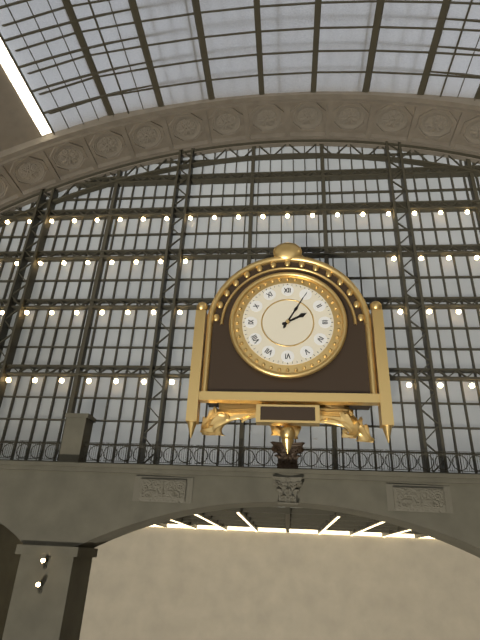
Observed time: 2:05
